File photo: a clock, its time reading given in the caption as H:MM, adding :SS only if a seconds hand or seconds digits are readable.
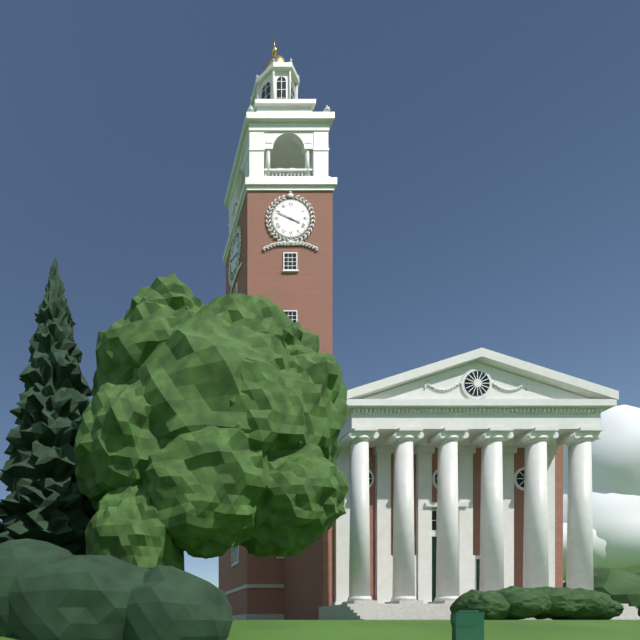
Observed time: 3:49
